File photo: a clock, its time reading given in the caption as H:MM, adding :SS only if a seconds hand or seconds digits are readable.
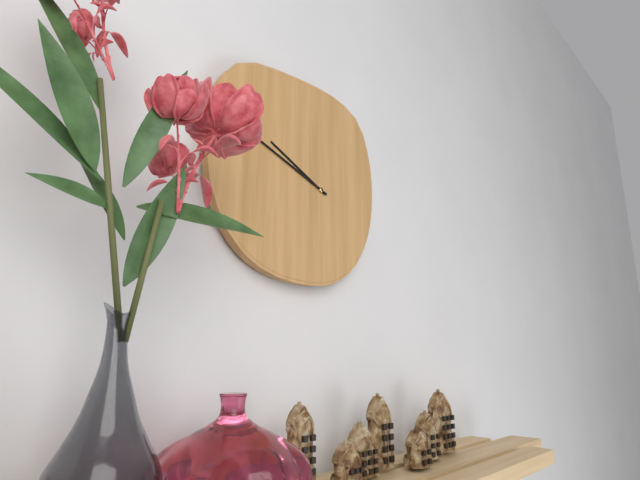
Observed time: 9:48
